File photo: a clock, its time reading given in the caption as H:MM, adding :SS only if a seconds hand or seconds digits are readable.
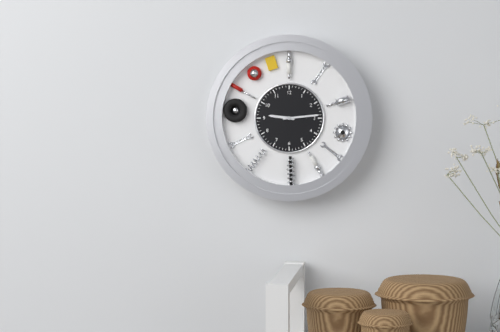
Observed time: 9:14
